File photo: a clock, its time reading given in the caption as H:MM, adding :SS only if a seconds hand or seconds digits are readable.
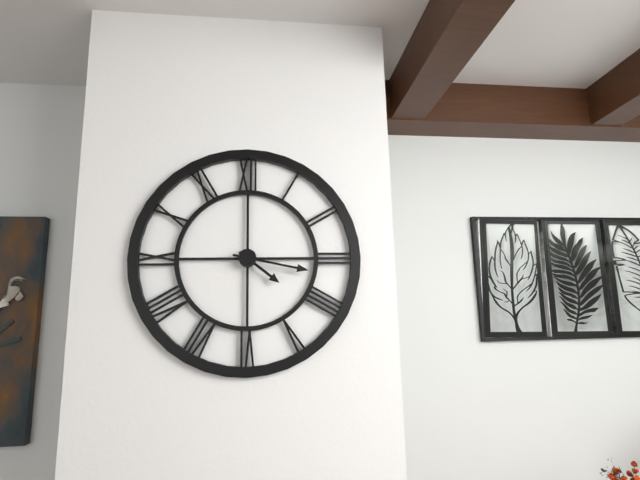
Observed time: 4:17
